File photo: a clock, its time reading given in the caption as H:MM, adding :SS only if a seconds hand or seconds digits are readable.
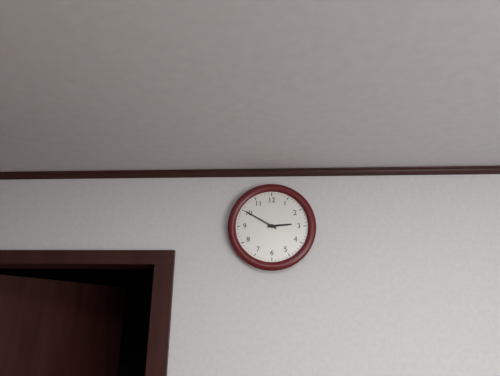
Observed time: 2:50
